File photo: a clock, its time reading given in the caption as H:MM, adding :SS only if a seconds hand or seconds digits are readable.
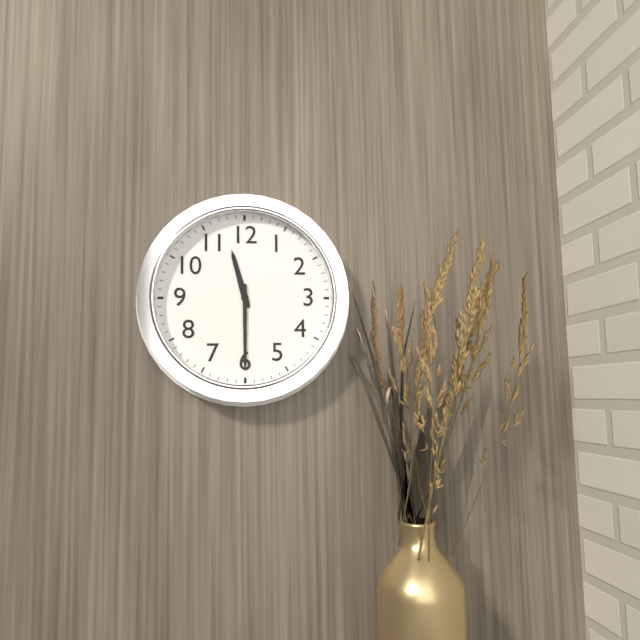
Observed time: 11:30
